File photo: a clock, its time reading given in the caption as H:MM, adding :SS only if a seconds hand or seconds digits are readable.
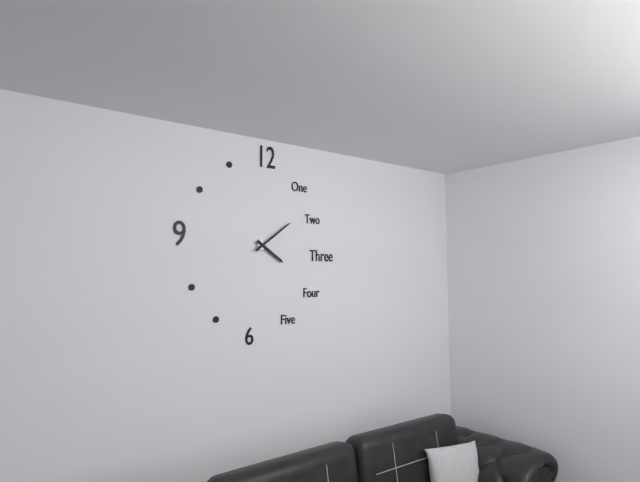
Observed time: 4:09
